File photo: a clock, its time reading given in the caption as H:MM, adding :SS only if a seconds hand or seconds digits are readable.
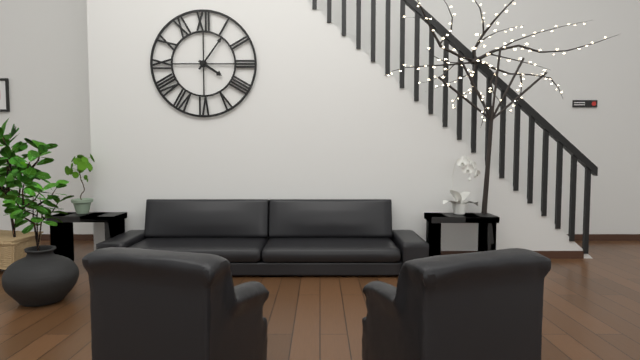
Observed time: 4:06
